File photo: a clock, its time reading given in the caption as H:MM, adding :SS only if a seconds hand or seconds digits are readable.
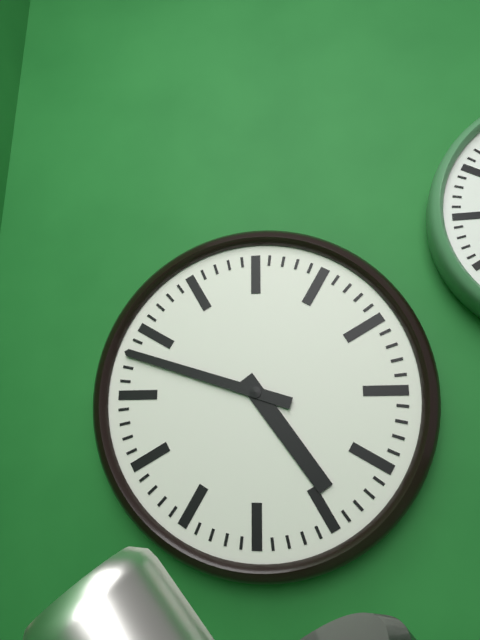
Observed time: 4:48
